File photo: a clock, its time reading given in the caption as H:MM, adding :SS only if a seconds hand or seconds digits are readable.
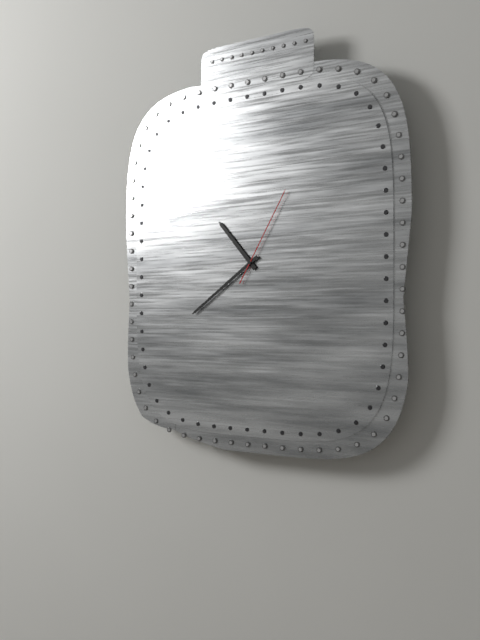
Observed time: 10:39:05
